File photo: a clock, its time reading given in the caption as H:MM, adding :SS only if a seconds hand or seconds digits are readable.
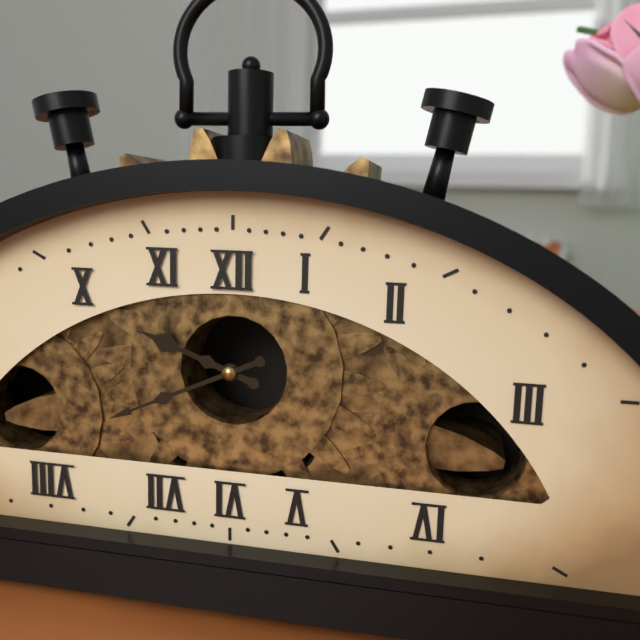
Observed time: 9:41
